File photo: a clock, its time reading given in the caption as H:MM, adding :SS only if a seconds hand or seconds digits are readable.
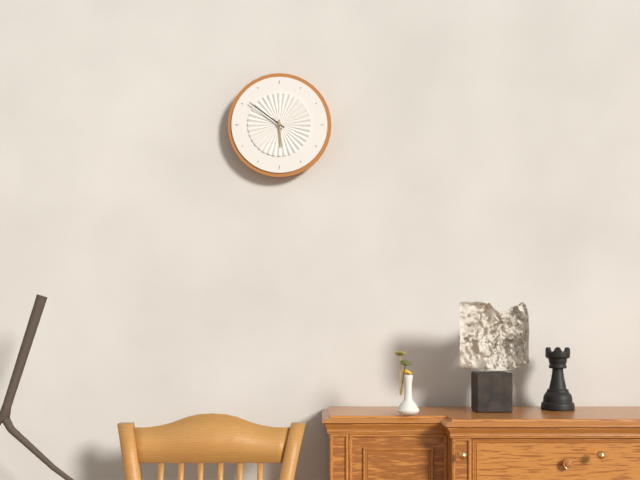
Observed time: 5:51
